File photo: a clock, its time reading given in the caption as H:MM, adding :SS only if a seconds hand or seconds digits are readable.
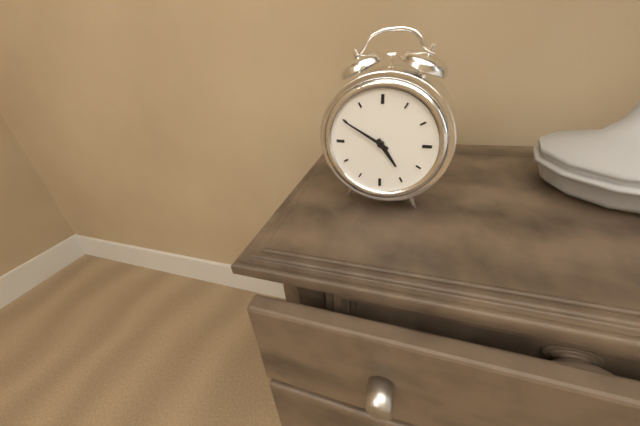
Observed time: 4:50
